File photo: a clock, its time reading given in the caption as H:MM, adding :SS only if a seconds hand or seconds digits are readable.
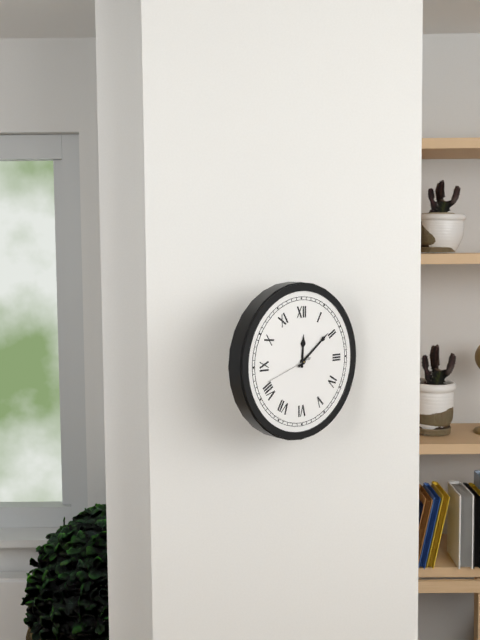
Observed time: 12:09:42
